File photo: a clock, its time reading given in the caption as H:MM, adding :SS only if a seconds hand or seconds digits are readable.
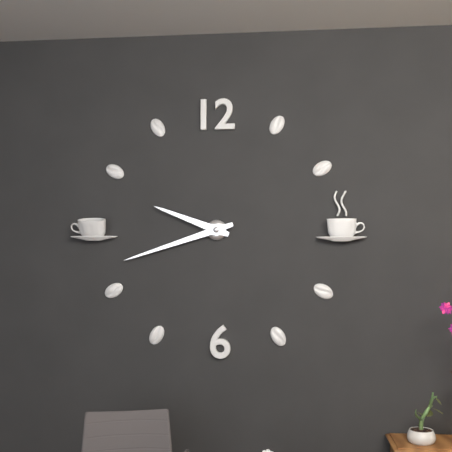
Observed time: 9:42
